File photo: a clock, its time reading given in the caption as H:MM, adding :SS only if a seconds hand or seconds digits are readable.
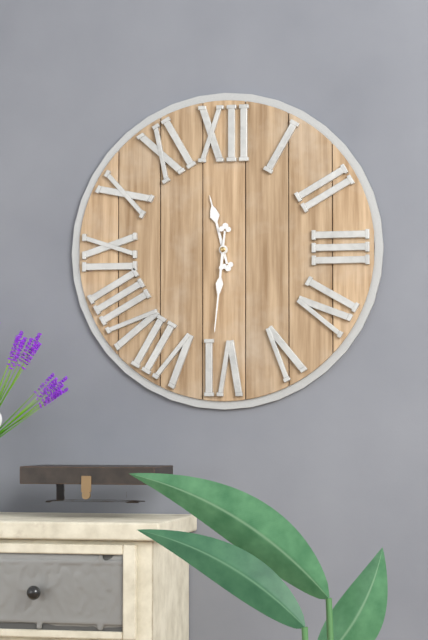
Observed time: 11:31
